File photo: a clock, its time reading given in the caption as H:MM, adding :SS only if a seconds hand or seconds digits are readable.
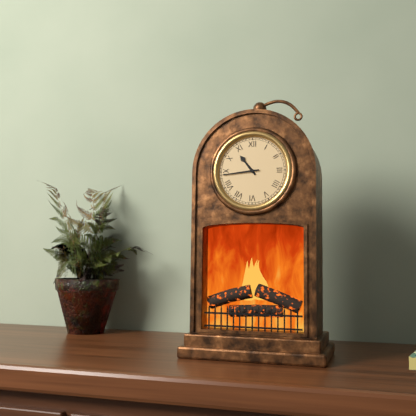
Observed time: 10:44
